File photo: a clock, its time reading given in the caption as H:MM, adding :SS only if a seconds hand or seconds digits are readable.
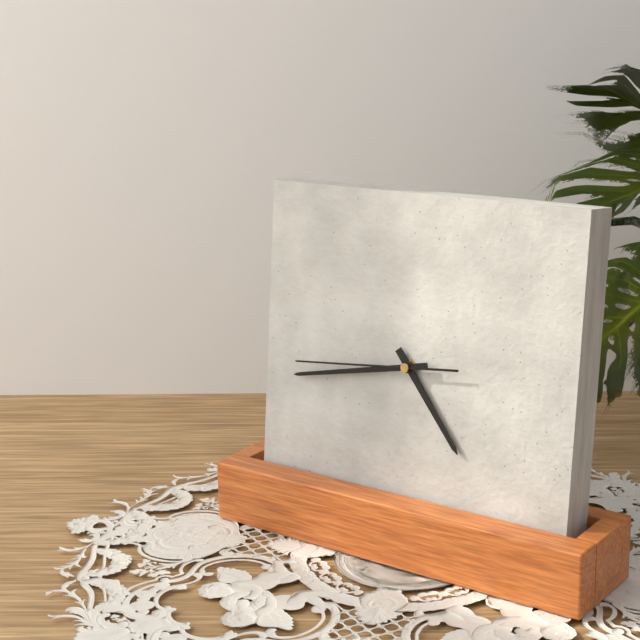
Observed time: 4:43:44
